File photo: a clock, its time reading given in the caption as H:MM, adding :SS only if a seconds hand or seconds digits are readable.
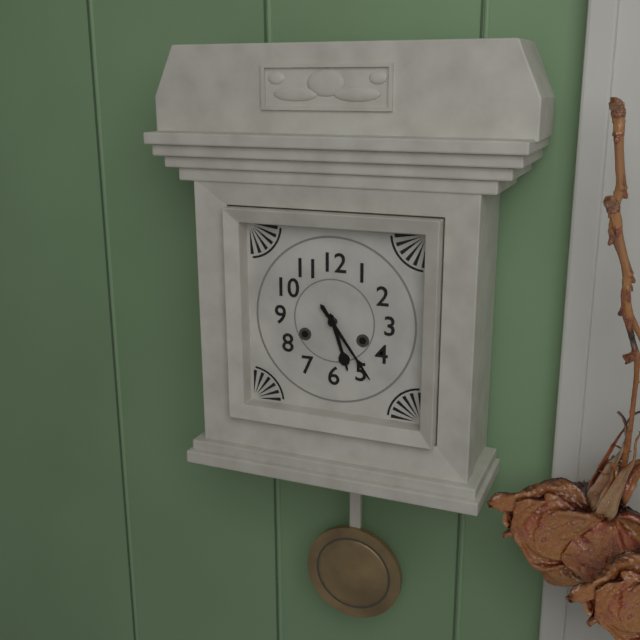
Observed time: 5:24
